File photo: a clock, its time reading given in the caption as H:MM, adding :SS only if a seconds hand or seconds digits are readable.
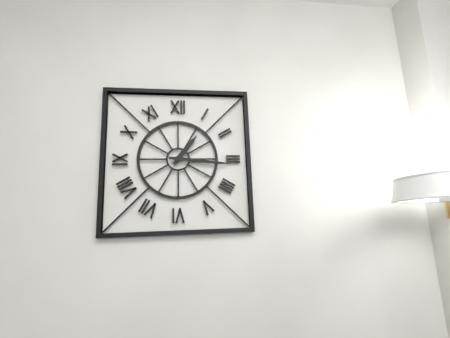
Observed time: 1:16
